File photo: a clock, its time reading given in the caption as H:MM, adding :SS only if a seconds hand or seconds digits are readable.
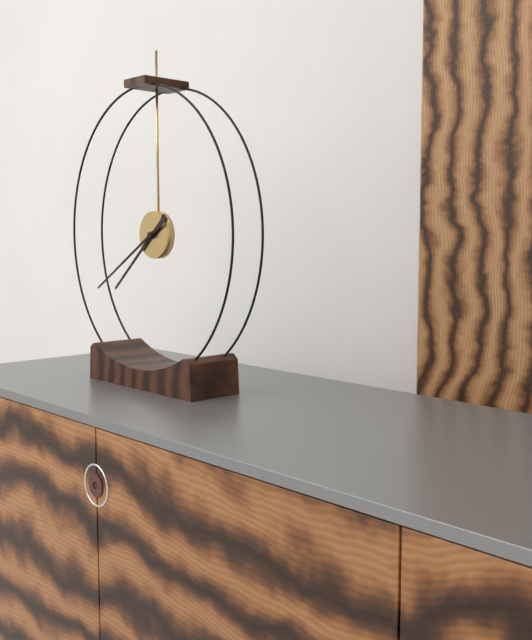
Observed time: 7:40
